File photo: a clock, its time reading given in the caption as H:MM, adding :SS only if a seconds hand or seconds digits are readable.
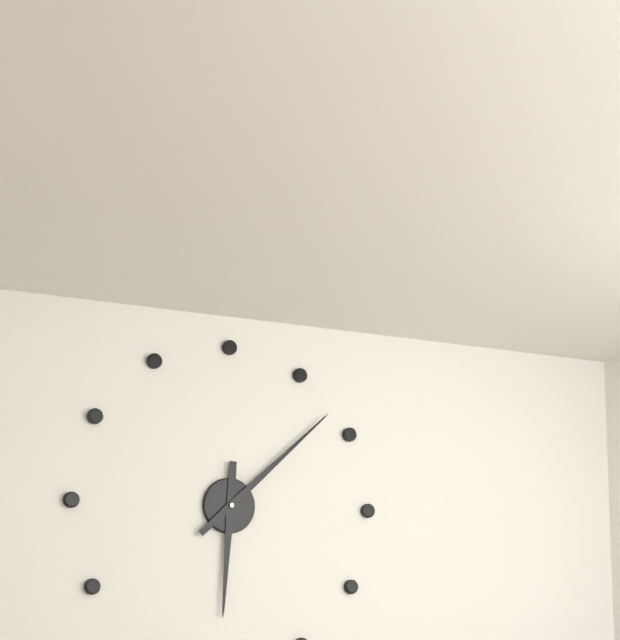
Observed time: 6:08
